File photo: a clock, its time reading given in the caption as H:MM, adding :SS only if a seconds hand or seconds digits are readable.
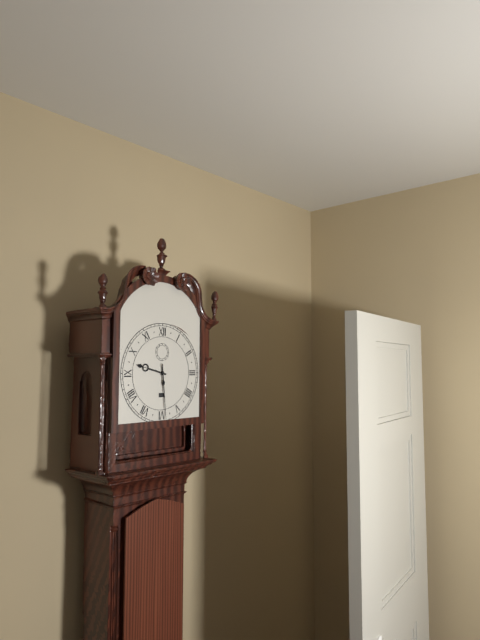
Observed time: 9:29
